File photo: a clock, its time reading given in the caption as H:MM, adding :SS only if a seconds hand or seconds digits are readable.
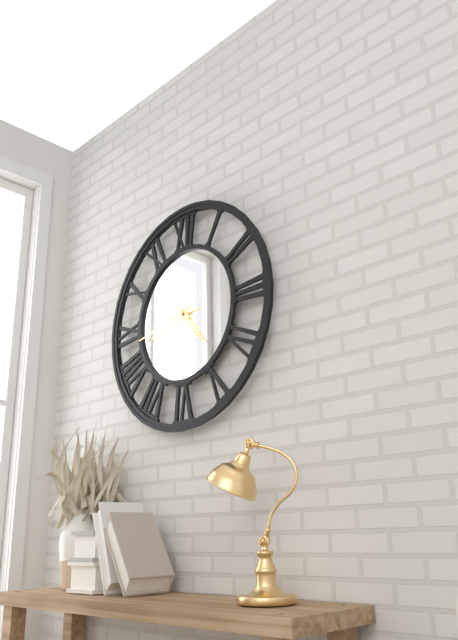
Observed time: 4:43
